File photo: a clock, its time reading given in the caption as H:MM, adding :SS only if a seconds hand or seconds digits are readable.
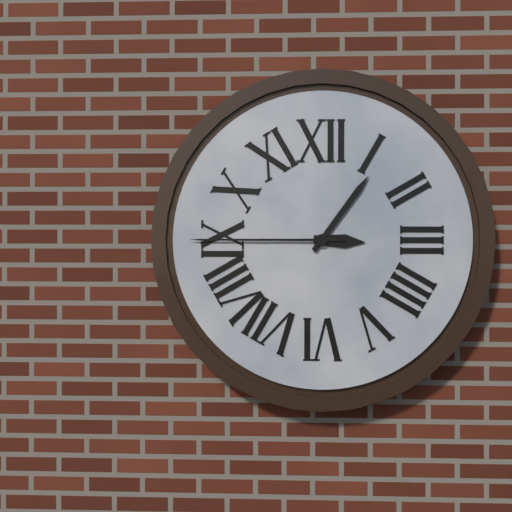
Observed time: 3:06:45
